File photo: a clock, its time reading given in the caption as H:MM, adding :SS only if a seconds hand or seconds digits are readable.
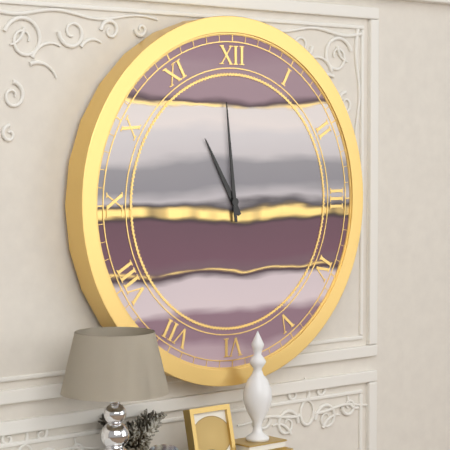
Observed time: 10:59
